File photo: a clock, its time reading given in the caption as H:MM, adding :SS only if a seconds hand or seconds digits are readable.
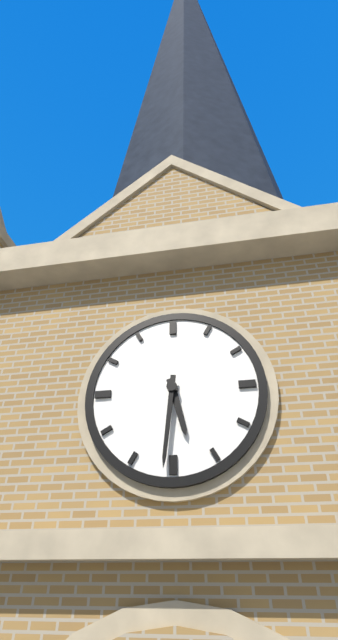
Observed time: 5:31
